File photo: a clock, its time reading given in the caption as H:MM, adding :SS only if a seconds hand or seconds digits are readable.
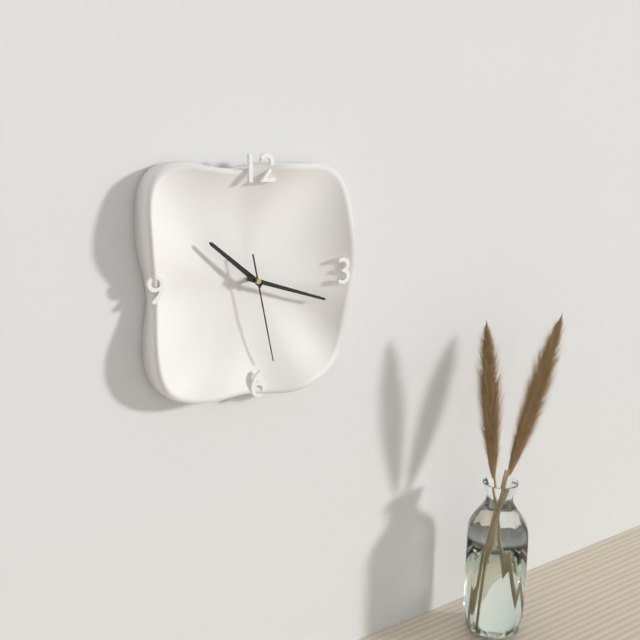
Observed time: 10:18:28
